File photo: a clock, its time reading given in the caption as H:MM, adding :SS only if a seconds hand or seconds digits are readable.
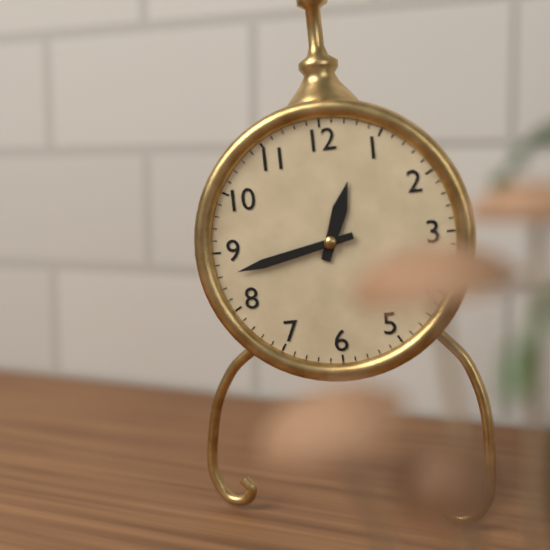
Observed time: 12:43
